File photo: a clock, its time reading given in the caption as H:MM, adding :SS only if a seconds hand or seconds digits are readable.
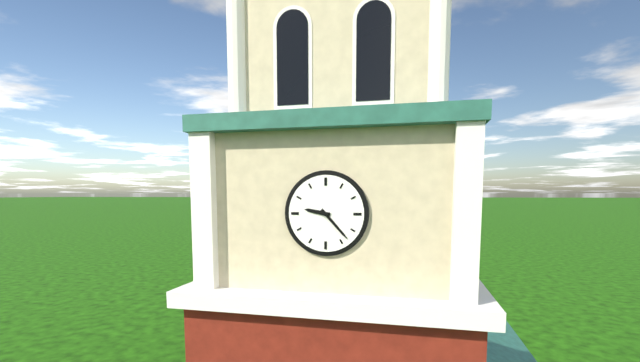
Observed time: 9:23
